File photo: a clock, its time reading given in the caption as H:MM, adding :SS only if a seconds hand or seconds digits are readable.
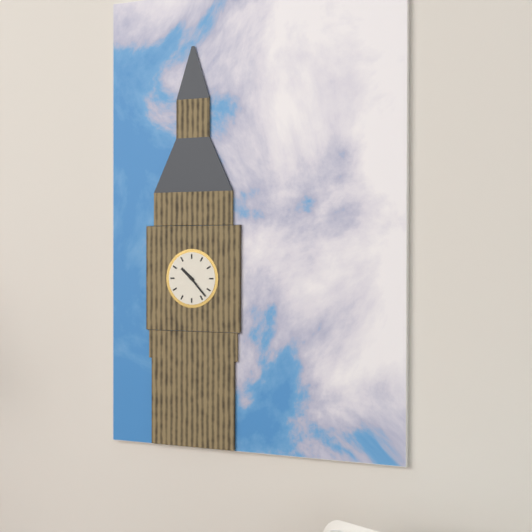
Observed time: 10:23
